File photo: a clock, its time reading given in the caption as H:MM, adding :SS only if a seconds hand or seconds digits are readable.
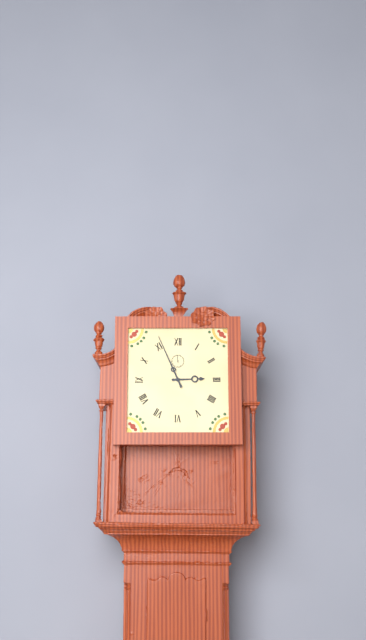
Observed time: 2:56
